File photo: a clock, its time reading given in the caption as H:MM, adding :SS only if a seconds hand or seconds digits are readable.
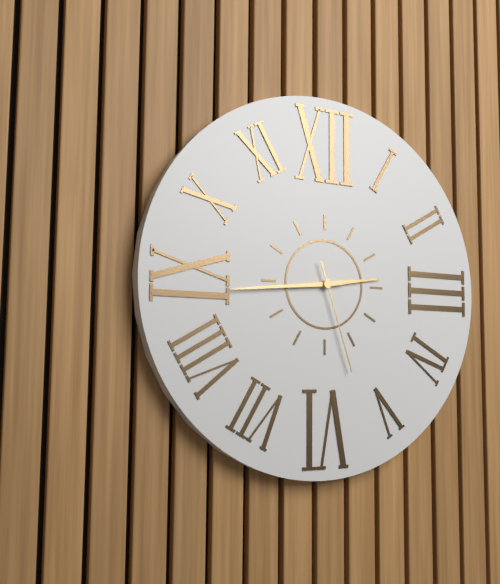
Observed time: 2:44:27
